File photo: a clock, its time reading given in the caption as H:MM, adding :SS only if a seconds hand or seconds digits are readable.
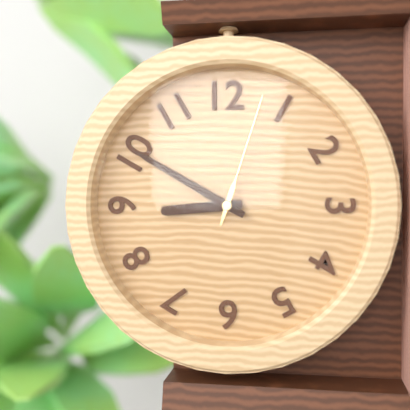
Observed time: 8:50:03
